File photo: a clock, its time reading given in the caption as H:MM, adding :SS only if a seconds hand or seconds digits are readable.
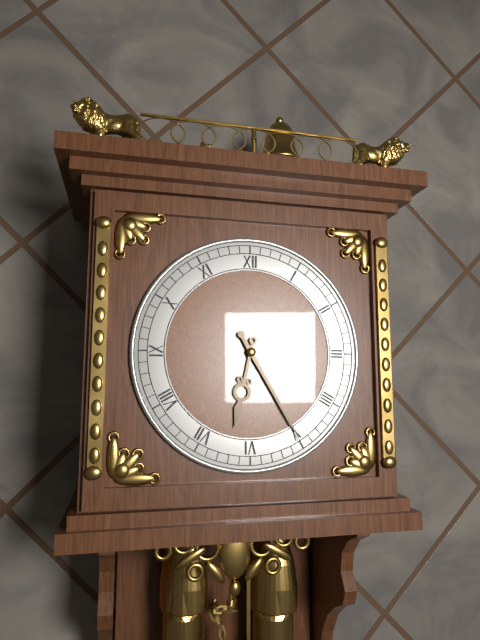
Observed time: 6:25
